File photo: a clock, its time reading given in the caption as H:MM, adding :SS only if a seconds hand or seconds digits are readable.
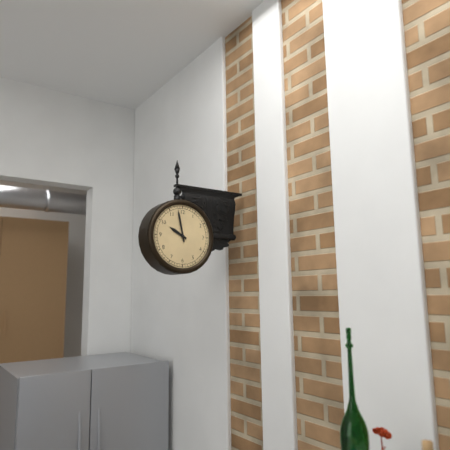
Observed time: 9:58
